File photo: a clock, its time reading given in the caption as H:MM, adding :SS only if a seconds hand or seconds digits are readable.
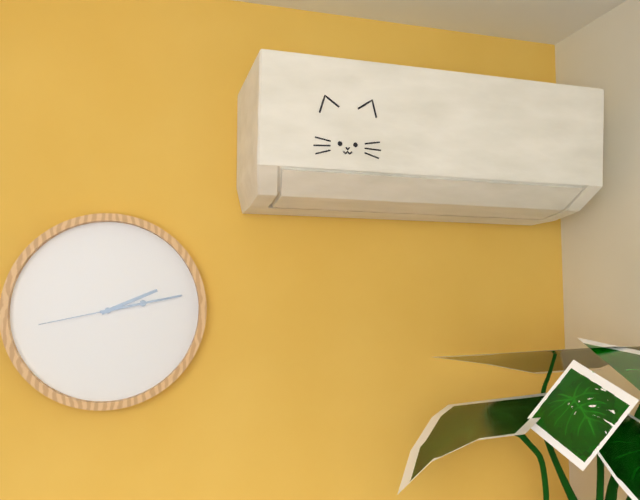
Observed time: 2:13:43
